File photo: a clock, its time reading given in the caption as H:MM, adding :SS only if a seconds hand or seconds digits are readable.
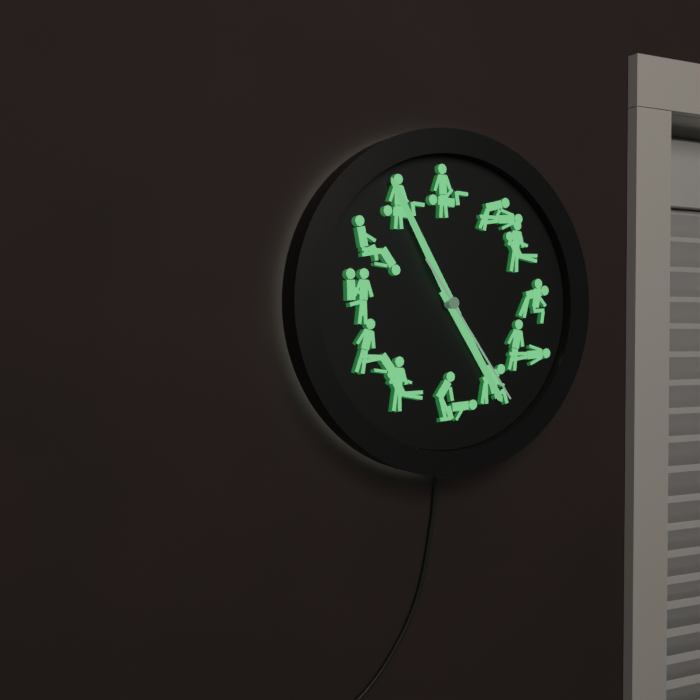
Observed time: 4:55:24
